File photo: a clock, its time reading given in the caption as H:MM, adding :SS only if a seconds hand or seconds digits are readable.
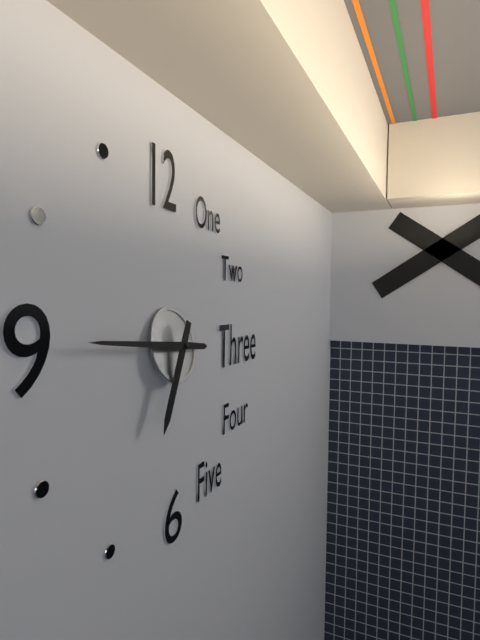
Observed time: 6:46
